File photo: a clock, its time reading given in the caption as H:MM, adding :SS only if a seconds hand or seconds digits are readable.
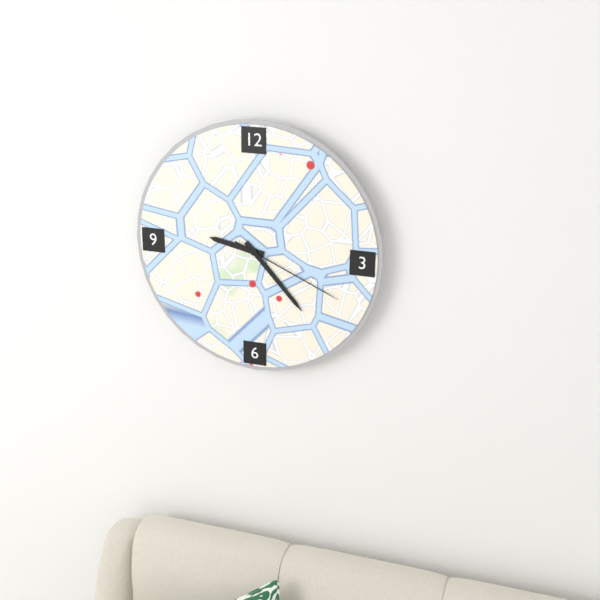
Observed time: 9:23:19
